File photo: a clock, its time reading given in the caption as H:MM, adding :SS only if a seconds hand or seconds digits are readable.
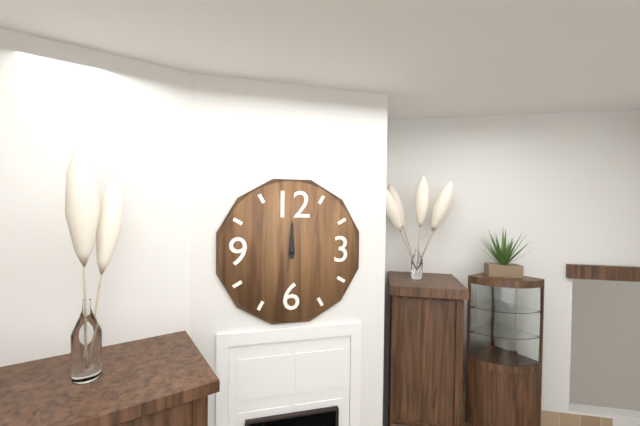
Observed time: 12:00
